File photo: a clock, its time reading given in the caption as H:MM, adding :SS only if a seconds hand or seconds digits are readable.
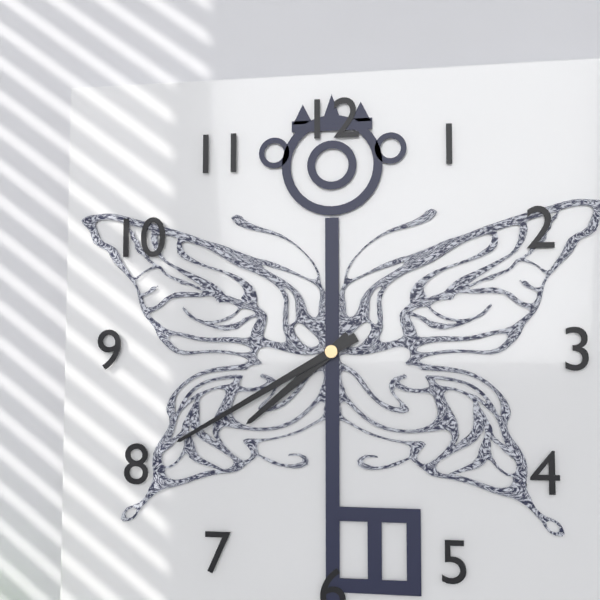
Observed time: 7:40
